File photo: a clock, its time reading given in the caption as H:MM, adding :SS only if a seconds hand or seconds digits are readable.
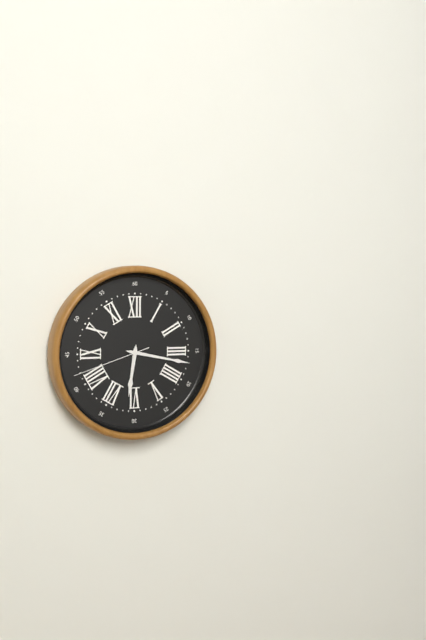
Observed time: 6:17:42
